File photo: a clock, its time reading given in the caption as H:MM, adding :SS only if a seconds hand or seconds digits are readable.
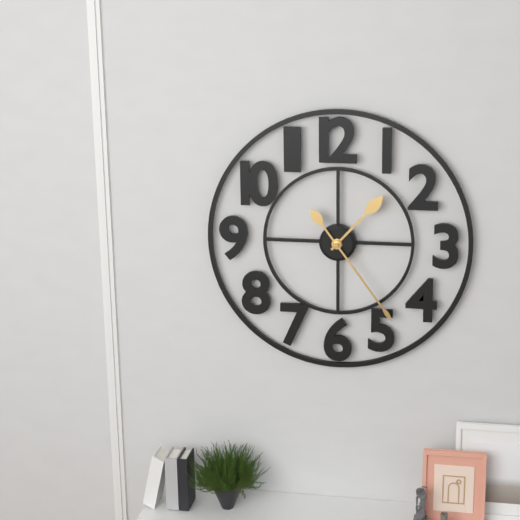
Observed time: 1:24
